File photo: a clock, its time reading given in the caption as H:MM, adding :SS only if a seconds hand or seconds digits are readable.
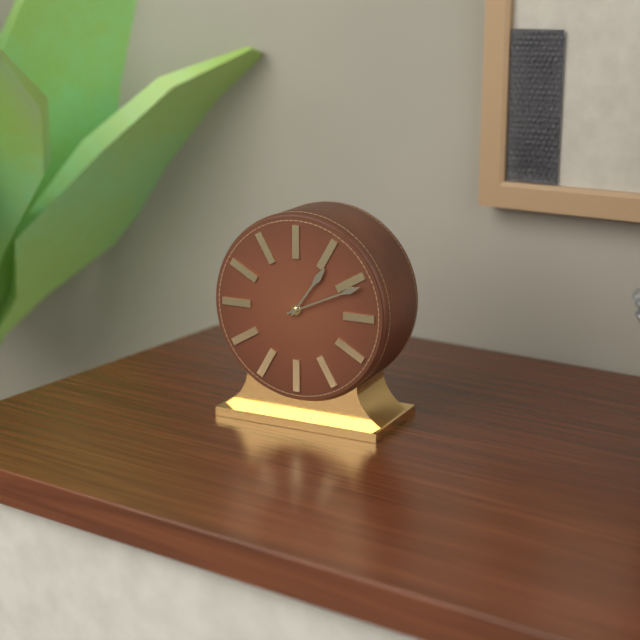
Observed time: 1:11
